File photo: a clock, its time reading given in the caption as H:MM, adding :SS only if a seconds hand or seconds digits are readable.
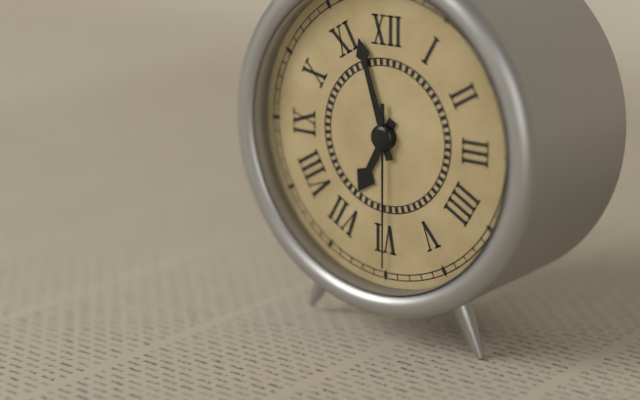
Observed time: 6:57:30
